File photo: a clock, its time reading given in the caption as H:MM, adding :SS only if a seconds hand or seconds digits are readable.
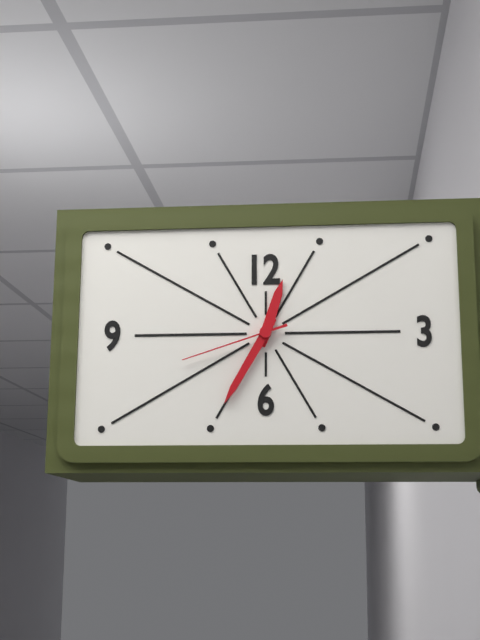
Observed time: 12:35:42
